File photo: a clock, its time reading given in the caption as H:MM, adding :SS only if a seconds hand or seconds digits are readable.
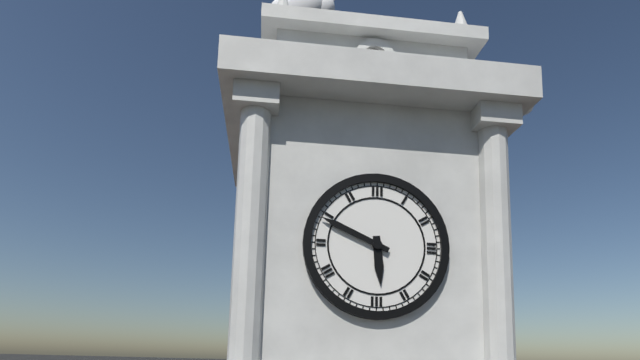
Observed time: 5:49
